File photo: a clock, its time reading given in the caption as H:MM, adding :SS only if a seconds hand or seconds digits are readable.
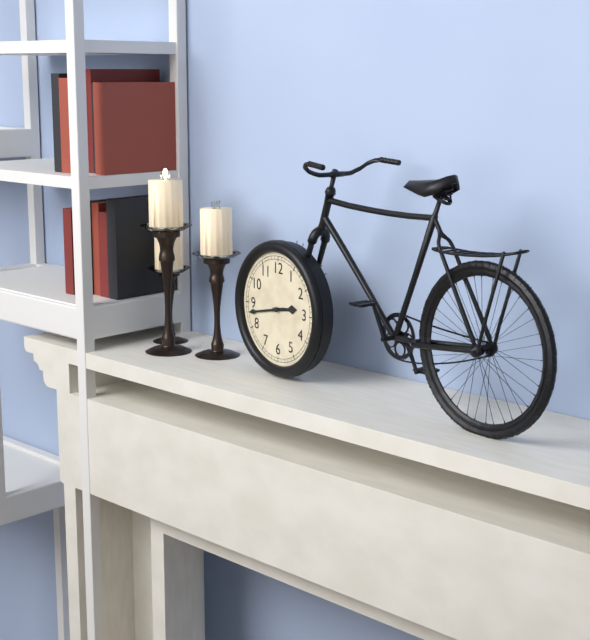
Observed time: 2:43
